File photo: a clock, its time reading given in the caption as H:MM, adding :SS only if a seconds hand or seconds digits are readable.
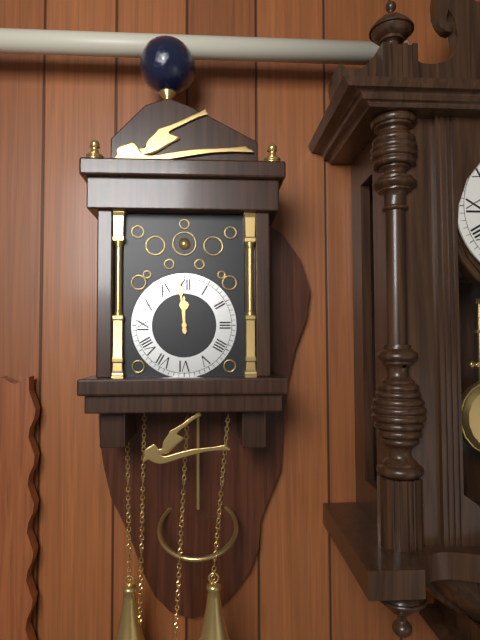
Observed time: 11:59
